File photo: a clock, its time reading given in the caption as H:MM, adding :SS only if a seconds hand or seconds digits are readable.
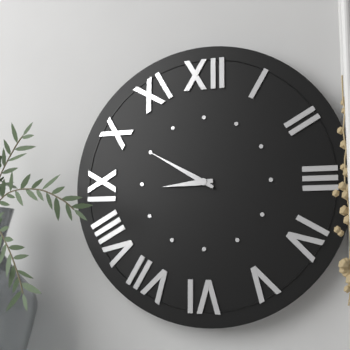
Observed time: 8:50
